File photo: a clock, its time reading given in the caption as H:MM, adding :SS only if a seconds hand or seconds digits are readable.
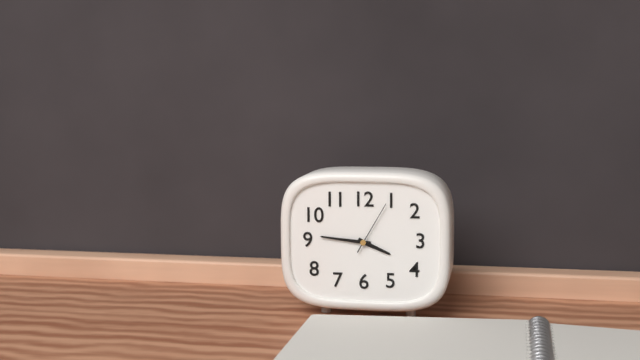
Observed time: 3:46:05
